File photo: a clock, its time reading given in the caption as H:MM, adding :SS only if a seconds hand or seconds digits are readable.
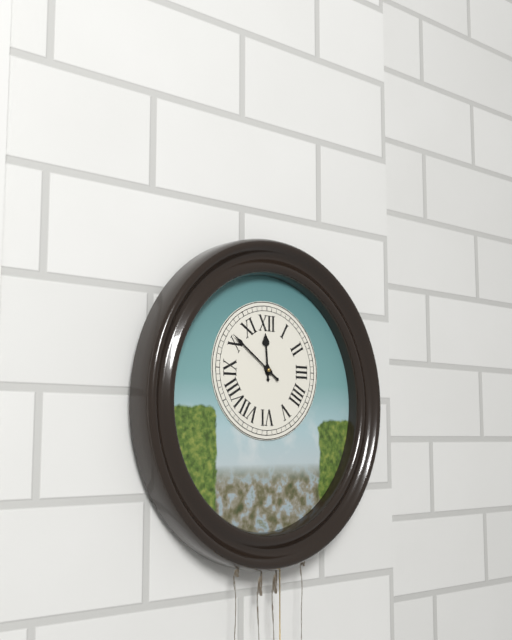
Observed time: 11:51
